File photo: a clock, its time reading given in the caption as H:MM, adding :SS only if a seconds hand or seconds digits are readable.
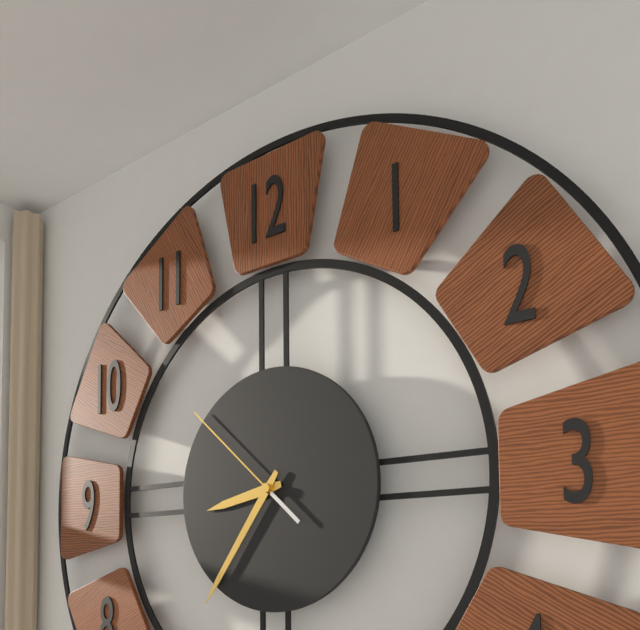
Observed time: 8:36:52
